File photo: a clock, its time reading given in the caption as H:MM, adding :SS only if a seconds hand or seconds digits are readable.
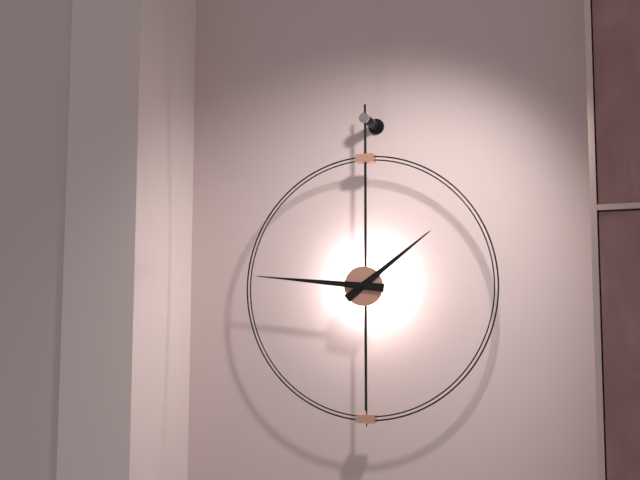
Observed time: 1:46
